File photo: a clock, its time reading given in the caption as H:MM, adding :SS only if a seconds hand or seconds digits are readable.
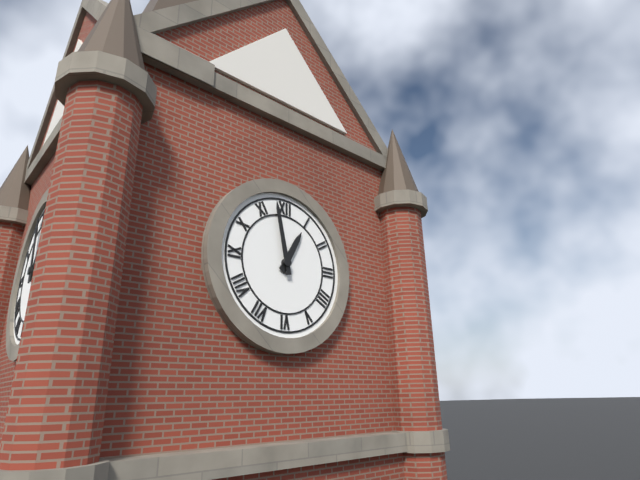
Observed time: 12:58
